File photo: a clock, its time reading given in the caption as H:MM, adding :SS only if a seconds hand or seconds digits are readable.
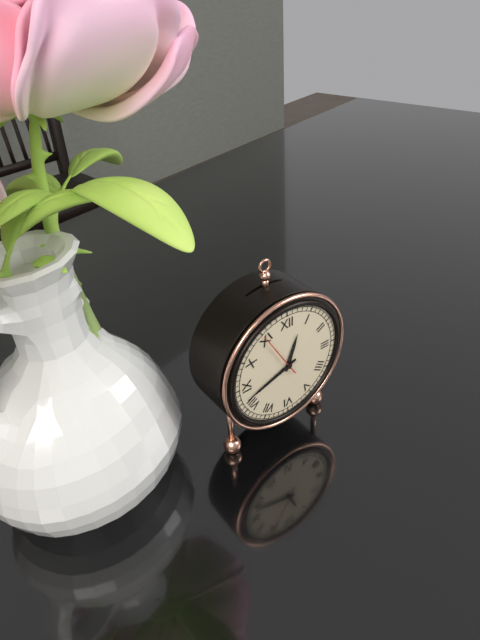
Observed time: 12:42
